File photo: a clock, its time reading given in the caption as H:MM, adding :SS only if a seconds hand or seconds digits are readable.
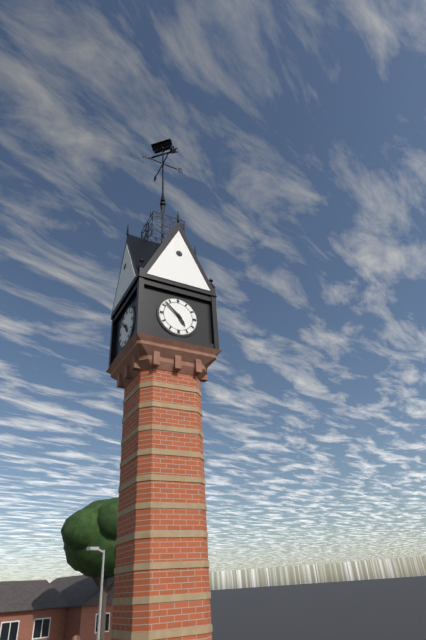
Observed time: 4:52
